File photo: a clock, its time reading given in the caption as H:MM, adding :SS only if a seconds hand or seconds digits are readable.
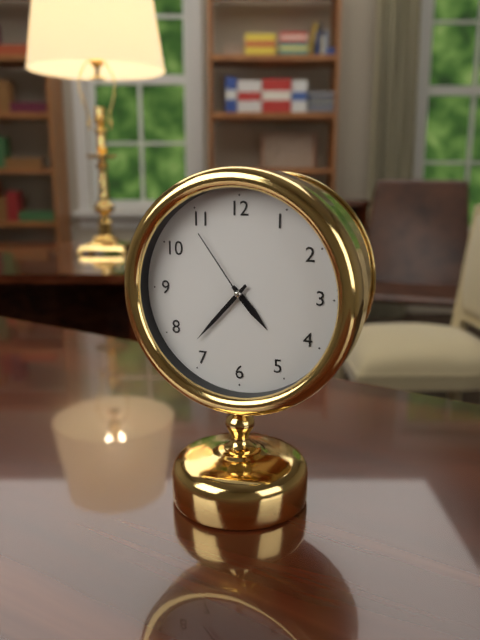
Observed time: 4:37:54
